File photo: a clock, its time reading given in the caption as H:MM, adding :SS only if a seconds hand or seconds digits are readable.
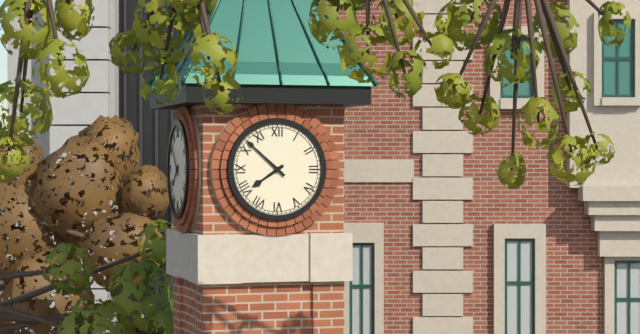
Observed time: 7:52
